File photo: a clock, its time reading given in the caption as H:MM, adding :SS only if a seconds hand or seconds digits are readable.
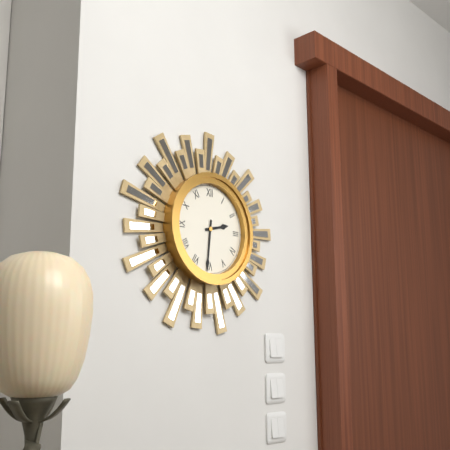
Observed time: 2:31
